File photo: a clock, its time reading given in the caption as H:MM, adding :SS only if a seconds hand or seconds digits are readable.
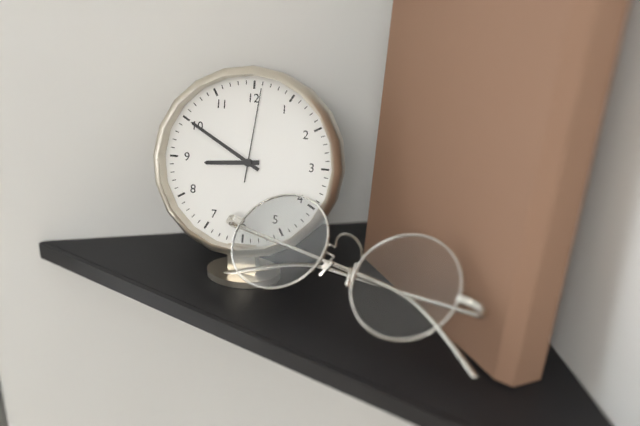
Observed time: 8:50:01
